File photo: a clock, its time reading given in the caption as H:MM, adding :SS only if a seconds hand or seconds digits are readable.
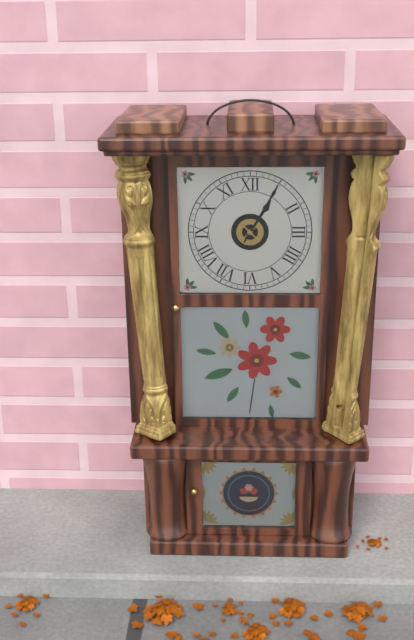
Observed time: 1:05
